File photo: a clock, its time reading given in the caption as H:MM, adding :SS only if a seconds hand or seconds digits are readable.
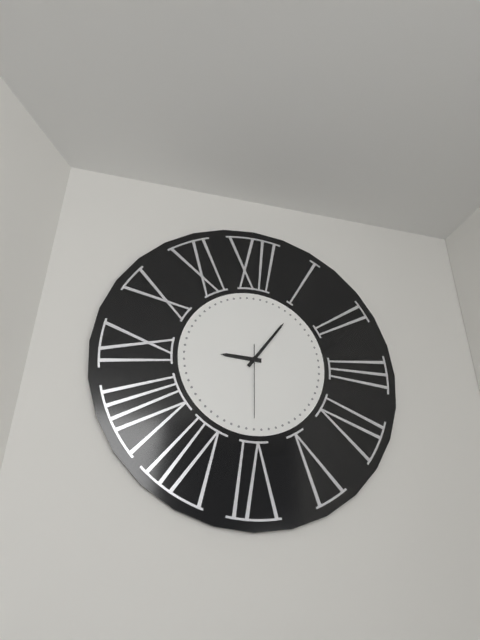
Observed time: 9:06:30
